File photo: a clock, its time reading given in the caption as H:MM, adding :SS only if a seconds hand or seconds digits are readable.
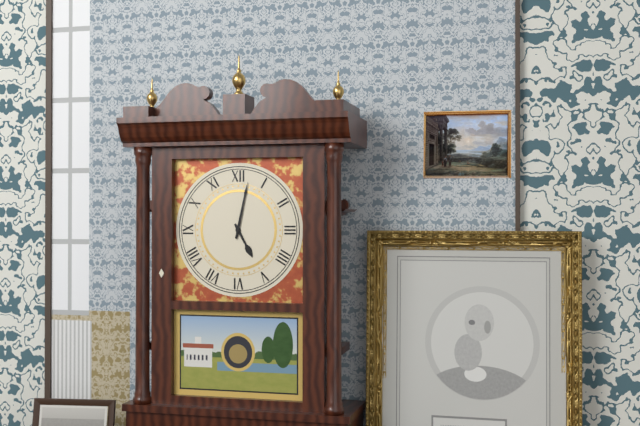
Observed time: 5:02
